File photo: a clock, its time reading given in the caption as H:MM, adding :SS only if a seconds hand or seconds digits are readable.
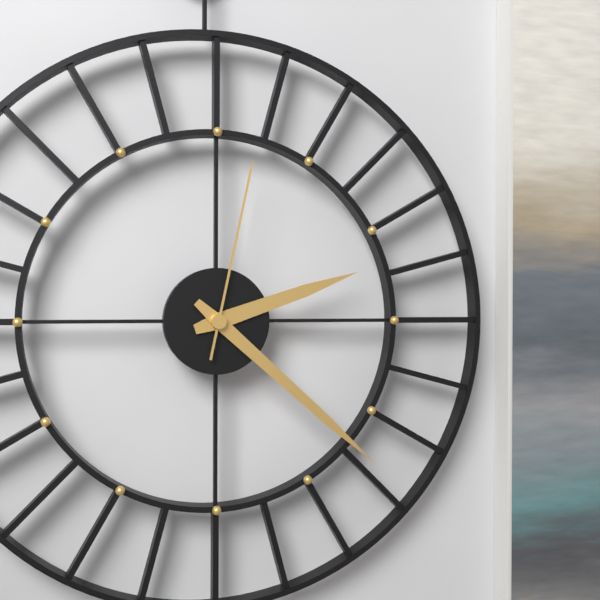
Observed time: 2:22:02
